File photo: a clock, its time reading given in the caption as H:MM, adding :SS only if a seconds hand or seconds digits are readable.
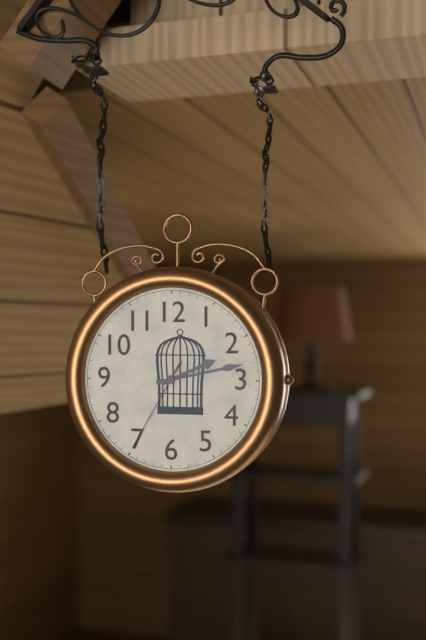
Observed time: 2:13:35
